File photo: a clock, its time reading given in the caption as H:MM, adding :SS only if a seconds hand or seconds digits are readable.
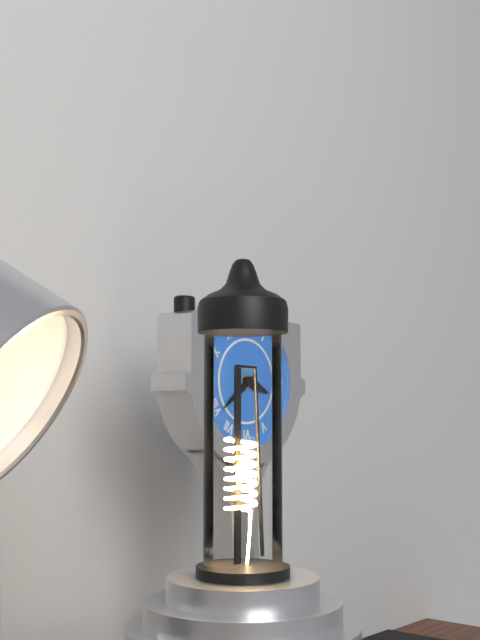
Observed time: 3:39
